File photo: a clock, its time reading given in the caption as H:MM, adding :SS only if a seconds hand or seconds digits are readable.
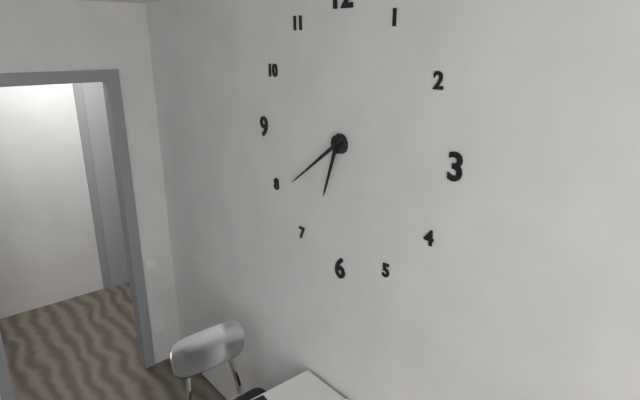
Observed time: 6:39
